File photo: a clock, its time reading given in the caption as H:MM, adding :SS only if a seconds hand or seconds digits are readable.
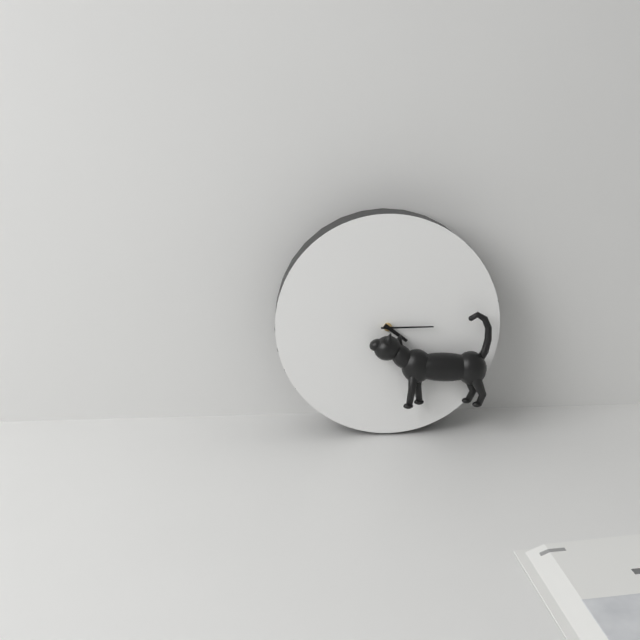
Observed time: 4:15
